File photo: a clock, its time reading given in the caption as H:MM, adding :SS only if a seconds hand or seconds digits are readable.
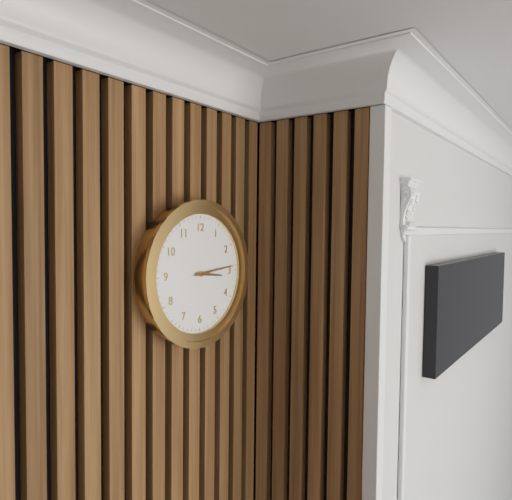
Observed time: 3:14
